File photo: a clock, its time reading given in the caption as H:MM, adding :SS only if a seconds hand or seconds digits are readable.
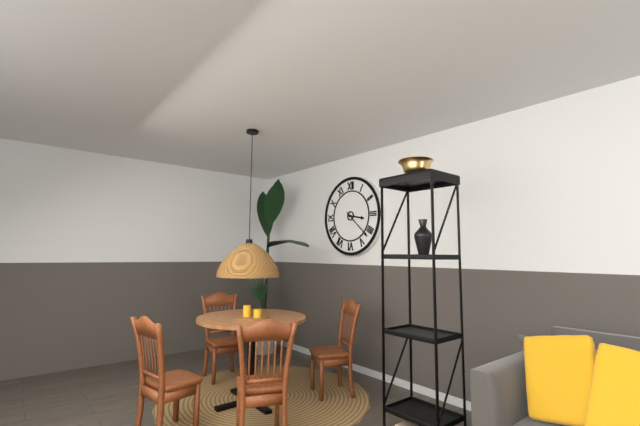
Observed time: 3:22
